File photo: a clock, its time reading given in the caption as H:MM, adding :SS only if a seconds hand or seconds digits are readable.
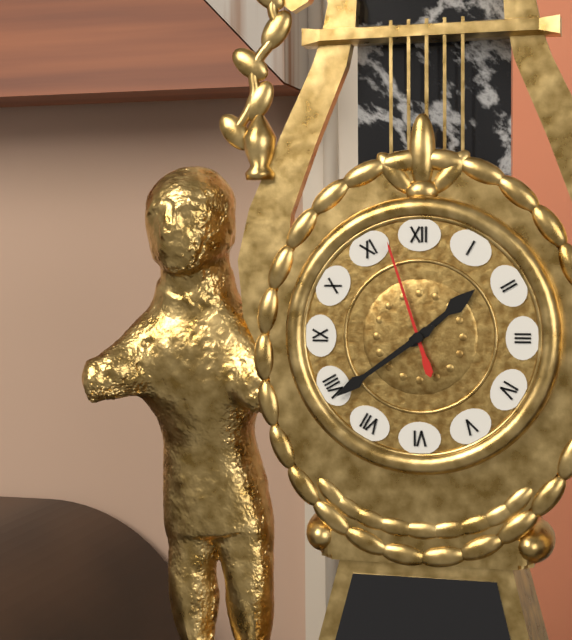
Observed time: 1:39:57
